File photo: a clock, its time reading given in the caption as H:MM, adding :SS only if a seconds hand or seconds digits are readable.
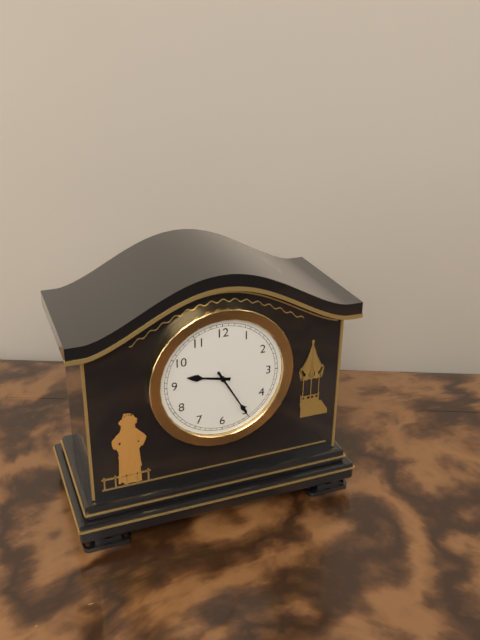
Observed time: 9:25
